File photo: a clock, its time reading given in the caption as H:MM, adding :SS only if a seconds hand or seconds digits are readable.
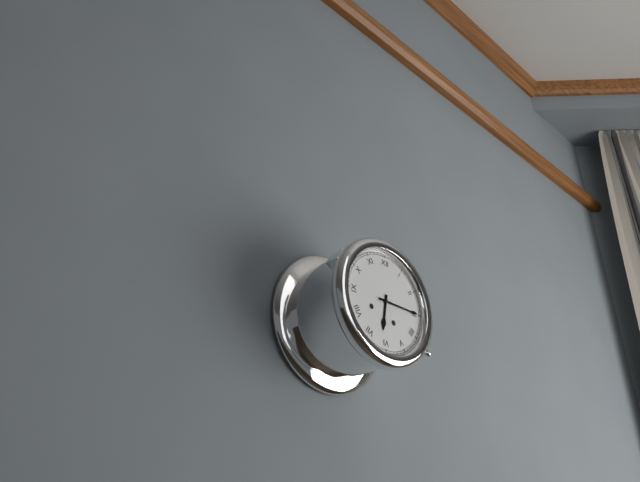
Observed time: 6:15
